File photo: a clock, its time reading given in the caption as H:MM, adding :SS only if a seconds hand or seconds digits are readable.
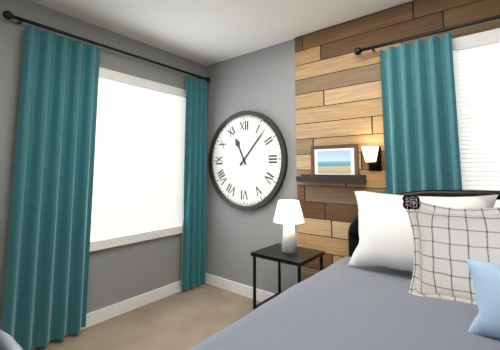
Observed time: 11:07
